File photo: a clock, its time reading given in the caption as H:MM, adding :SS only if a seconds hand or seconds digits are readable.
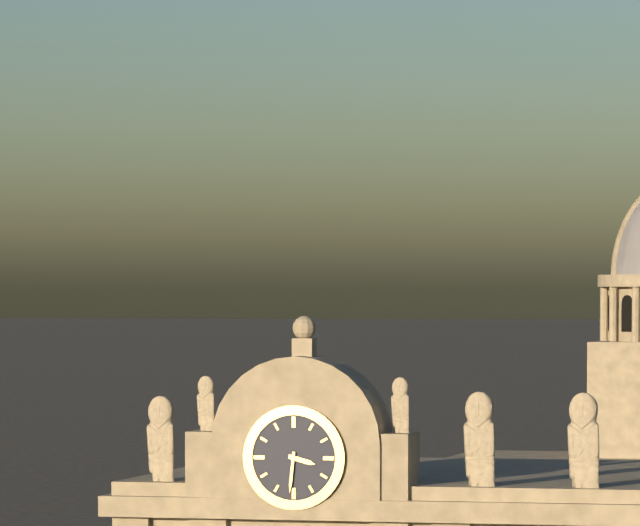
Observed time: 3:31
